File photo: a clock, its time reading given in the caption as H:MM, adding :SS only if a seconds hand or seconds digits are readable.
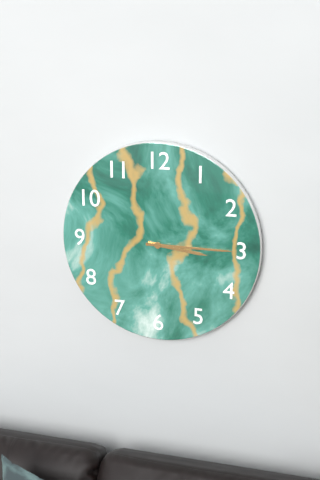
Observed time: 3:15
